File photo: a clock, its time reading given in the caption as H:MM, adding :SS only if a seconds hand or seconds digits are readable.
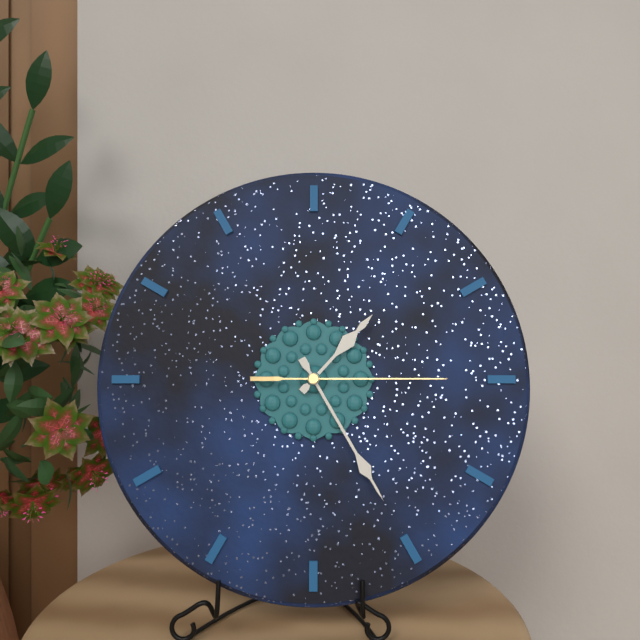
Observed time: 1:25:15
